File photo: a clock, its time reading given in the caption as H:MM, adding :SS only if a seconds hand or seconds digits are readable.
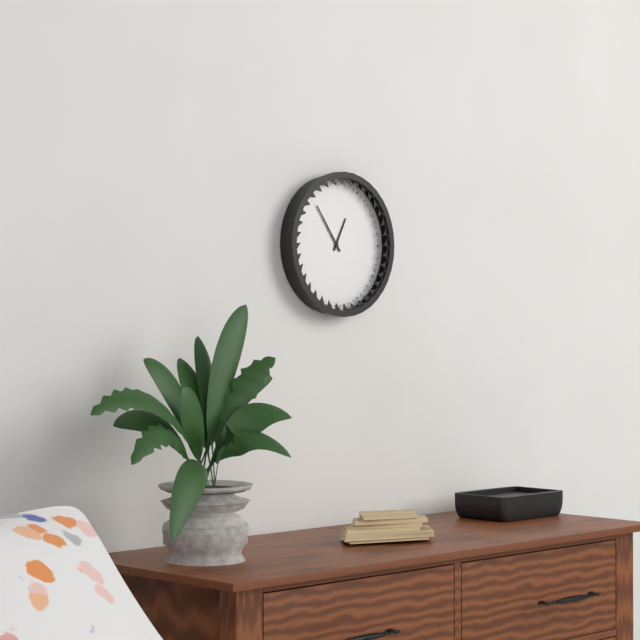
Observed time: 12:54
